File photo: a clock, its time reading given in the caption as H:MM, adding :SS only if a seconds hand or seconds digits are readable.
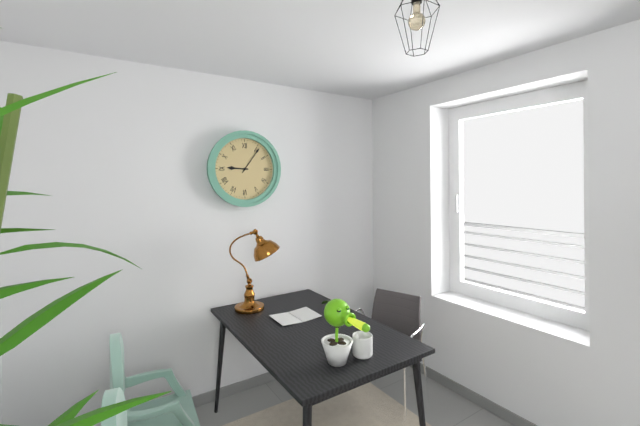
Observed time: 9:06
